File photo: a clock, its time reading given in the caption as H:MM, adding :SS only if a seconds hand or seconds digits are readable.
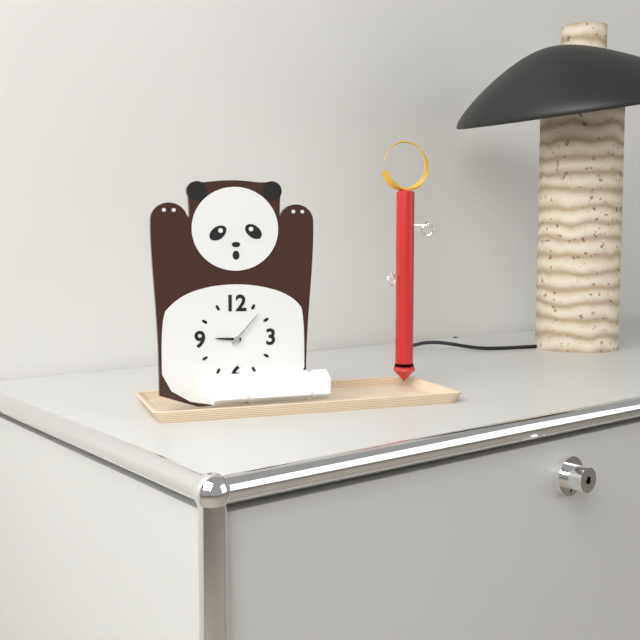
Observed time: 9:07
